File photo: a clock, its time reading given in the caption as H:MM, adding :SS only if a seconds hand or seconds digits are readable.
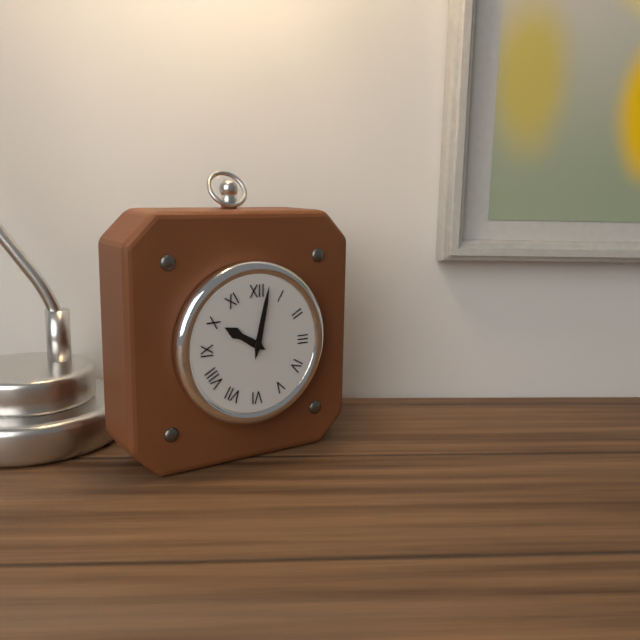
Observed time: 10:02
